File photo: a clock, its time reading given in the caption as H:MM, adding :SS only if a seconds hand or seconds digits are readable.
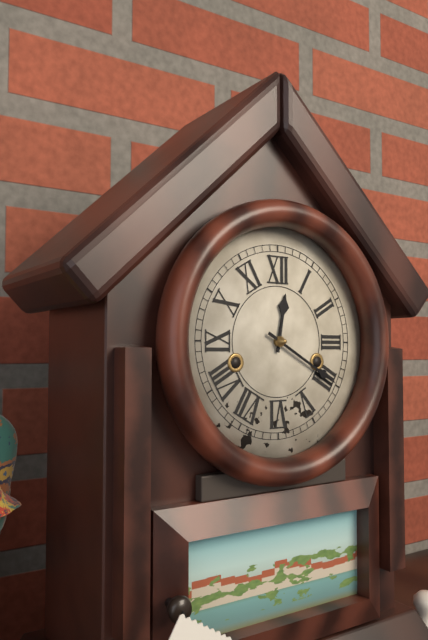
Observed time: 12:20
